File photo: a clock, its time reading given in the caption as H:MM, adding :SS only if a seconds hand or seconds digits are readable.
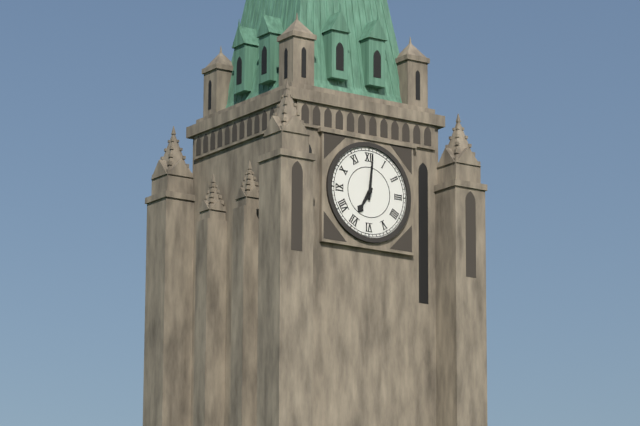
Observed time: 7:01
